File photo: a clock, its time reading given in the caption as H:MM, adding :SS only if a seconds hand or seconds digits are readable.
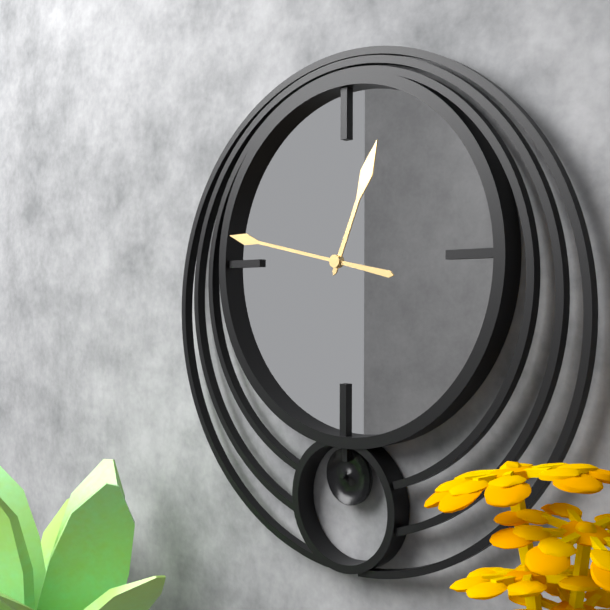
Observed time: 12:47
